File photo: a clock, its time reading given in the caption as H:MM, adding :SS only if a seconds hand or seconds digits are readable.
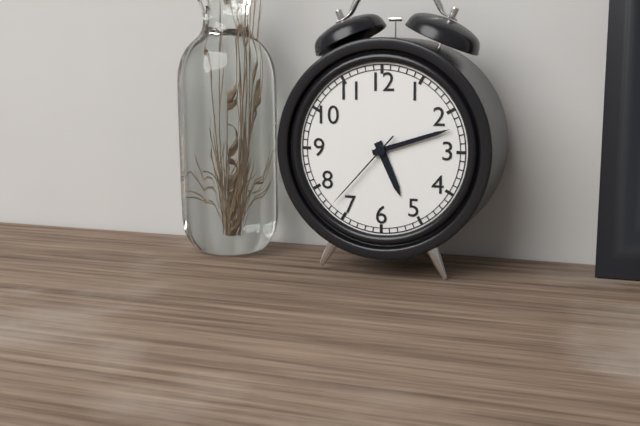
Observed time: 5:12:37
